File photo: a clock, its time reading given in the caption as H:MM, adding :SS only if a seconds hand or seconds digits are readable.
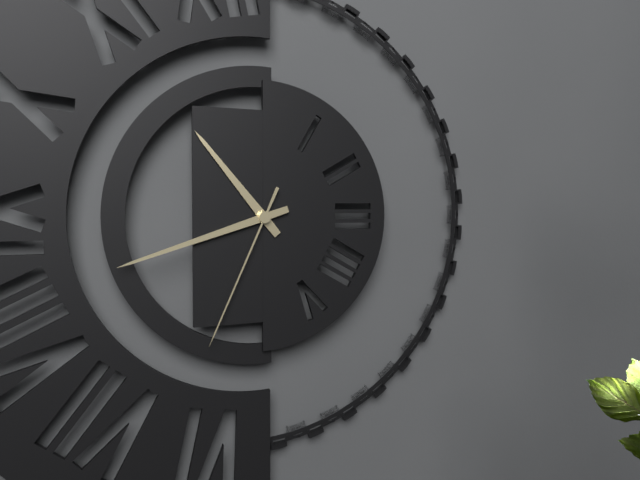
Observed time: 10:42:34
